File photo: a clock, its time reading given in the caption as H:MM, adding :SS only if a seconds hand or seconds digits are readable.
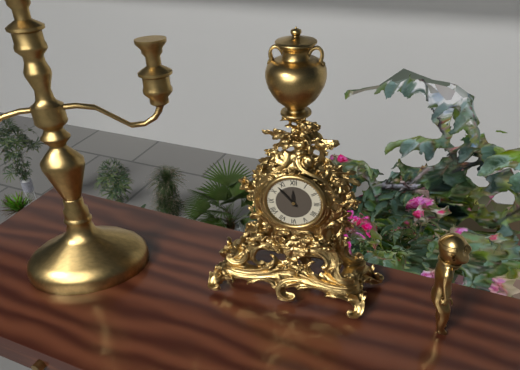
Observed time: 11:53
